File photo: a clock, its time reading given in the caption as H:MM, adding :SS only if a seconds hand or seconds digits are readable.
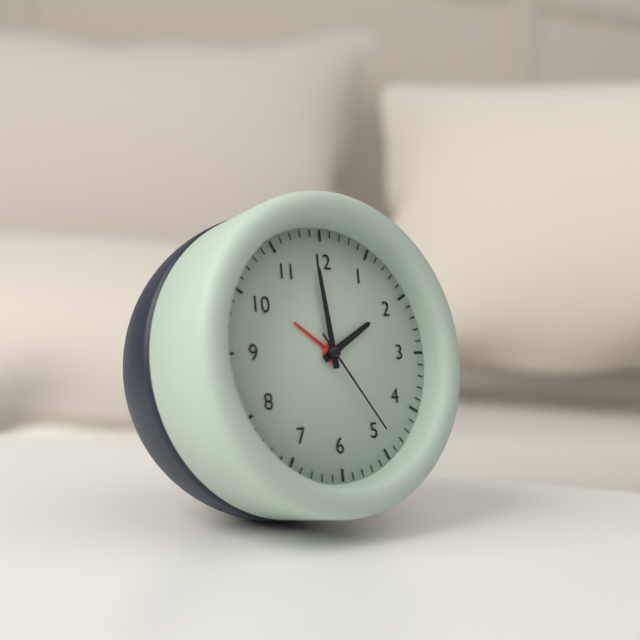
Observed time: 1:59:24
